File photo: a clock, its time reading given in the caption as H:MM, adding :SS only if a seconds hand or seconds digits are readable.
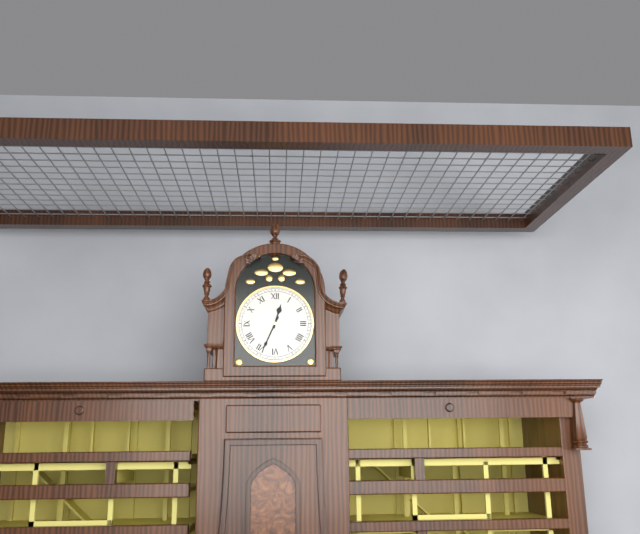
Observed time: 12:34
